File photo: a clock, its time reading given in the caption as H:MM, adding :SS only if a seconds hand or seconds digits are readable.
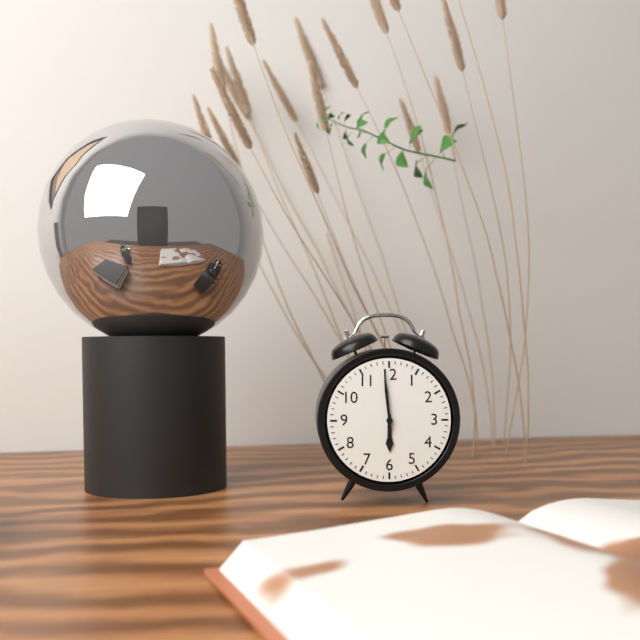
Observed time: 5:59
